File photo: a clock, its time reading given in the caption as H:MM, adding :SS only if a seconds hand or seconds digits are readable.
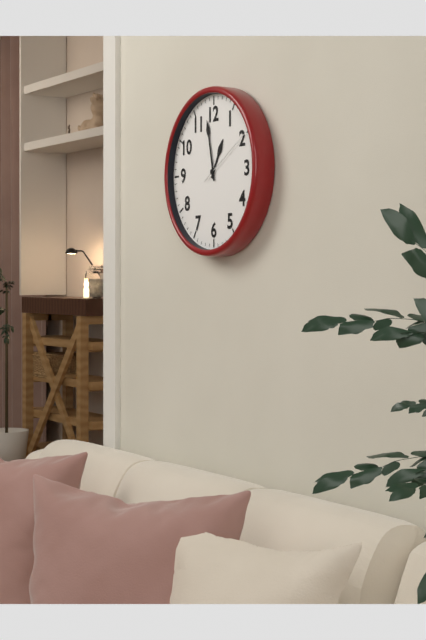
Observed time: 12:58:10
